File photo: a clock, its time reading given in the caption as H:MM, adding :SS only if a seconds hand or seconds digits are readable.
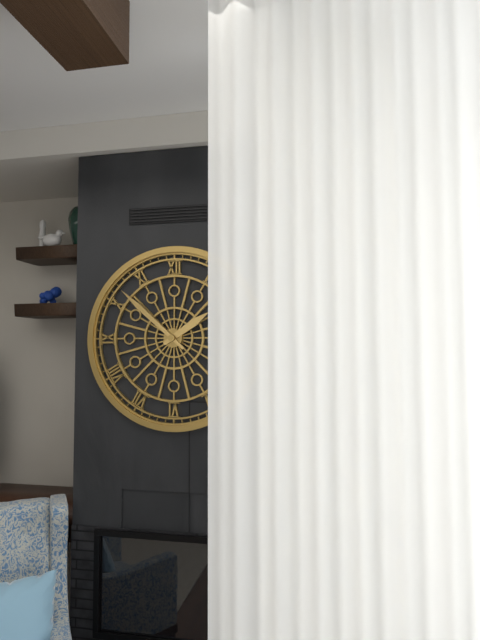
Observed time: 1:52
